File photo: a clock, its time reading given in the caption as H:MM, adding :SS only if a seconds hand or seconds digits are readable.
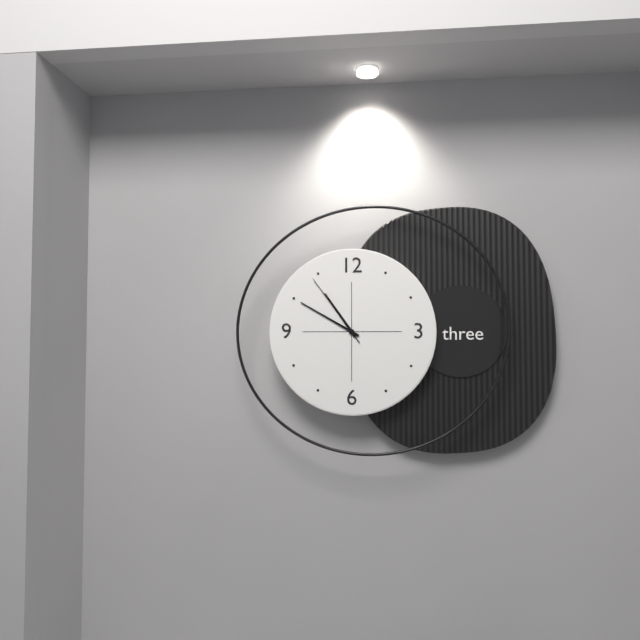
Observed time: 10:50:54
